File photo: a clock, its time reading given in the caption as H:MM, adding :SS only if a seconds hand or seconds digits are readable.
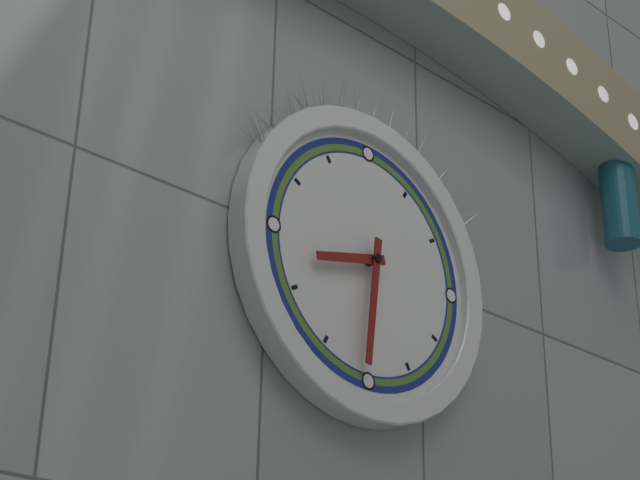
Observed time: 8:31
